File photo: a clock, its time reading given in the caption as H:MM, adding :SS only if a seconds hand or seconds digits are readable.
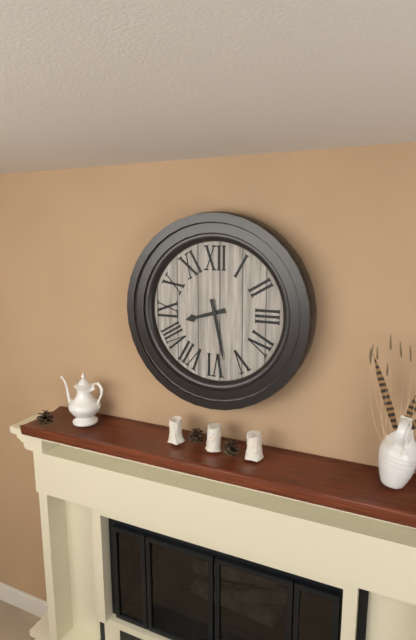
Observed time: 8:28
